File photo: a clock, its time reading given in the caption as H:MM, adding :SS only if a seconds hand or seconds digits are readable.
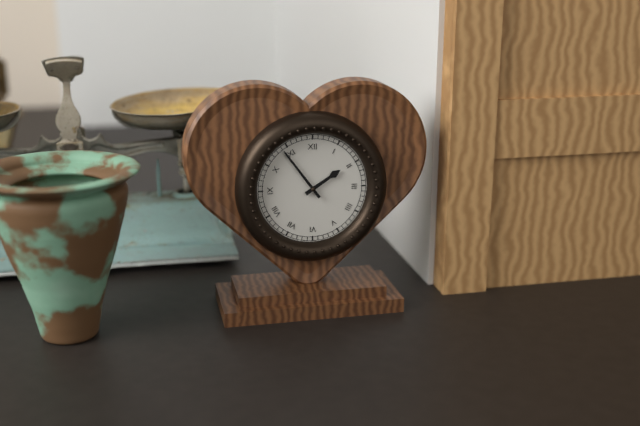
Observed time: 1:54
